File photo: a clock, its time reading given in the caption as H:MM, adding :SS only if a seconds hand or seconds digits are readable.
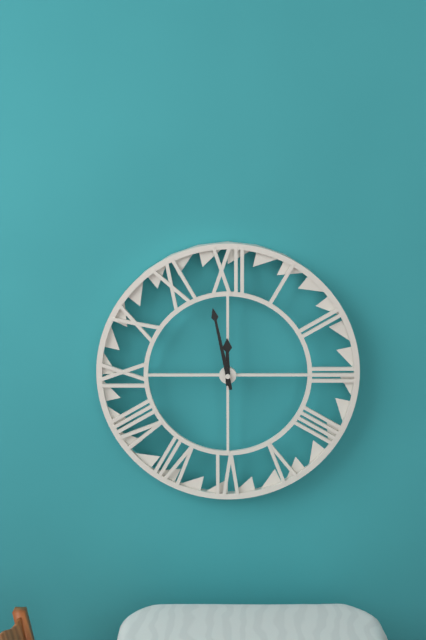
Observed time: 11:58
